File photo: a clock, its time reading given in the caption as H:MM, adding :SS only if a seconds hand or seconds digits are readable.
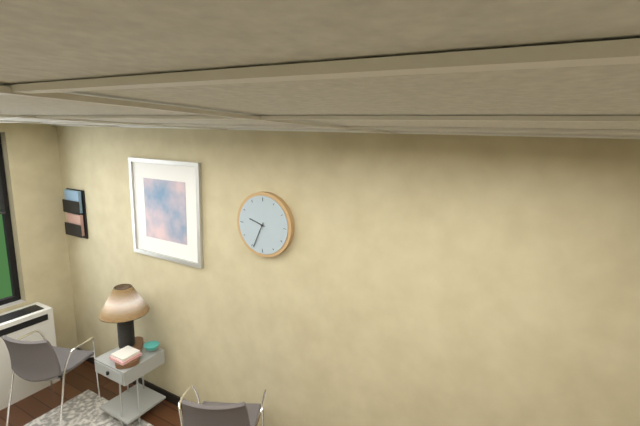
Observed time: 9:34
